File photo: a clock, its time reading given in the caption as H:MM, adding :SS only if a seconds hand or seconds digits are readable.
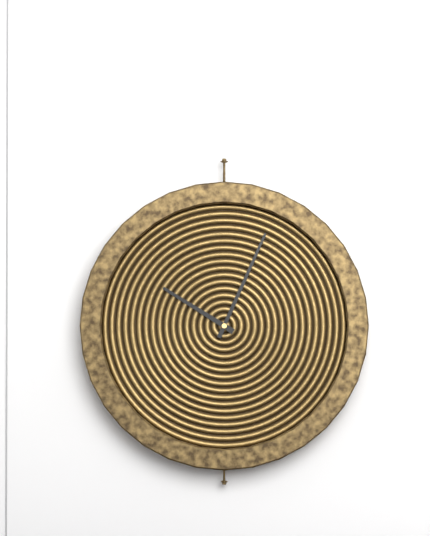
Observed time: 10:04
